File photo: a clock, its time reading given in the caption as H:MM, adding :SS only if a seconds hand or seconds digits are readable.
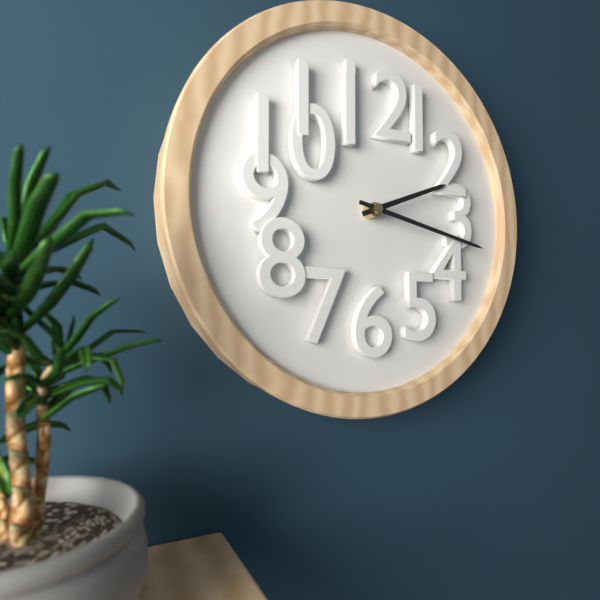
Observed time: 2:17
